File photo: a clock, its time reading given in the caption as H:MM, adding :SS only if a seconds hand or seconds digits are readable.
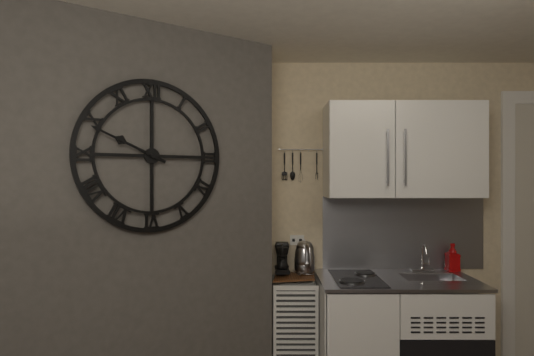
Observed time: 9:49
